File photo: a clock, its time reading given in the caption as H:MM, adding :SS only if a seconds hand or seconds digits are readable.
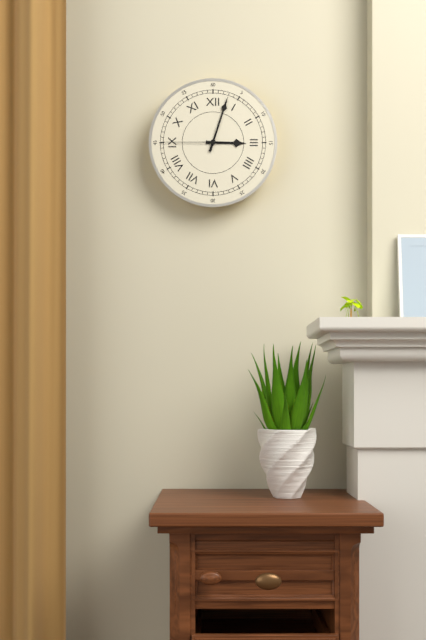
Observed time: 3:03:45
